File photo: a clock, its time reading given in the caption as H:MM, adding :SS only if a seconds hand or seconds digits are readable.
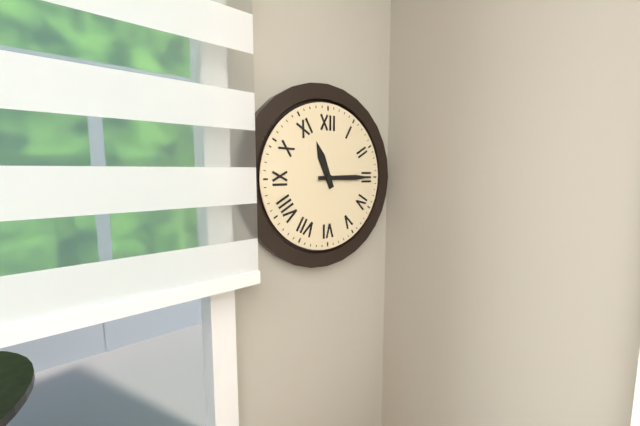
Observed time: 11:15
